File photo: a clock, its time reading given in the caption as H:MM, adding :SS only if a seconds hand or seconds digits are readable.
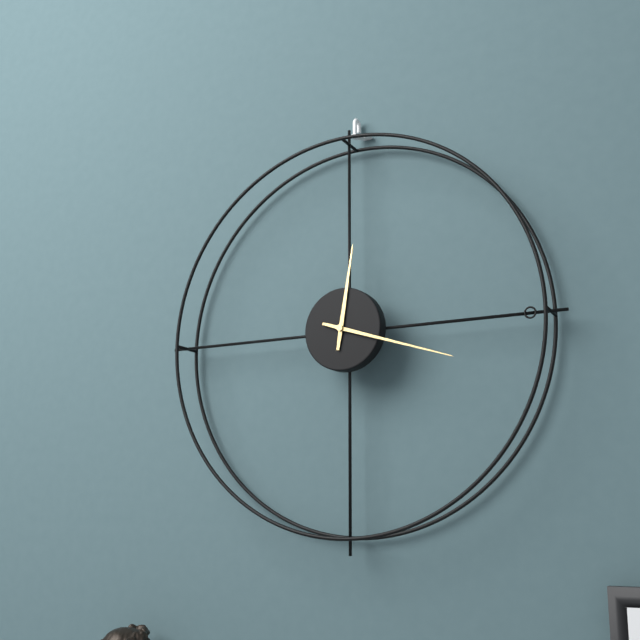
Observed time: 12:18
